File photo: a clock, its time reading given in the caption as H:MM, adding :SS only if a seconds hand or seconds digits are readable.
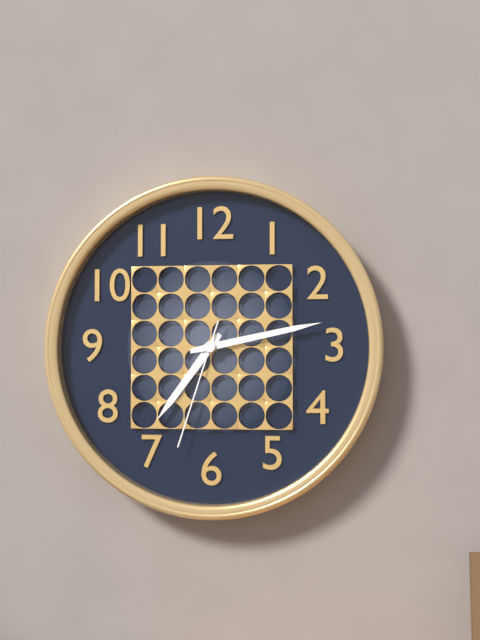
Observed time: 7:13:33
